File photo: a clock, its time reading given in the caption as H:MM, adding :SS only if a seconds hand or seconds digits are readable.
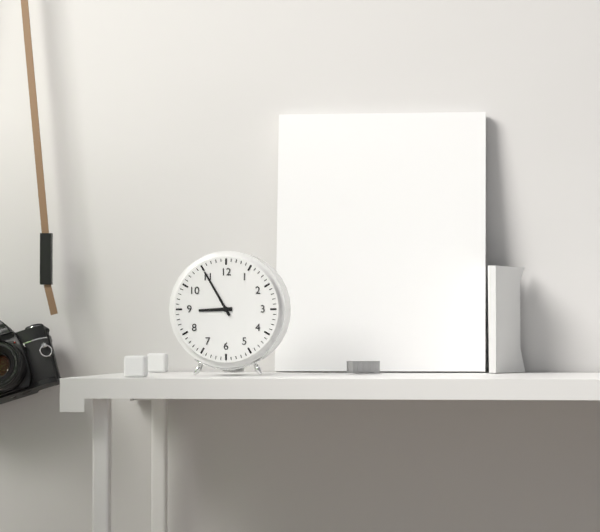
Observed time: 8:55
